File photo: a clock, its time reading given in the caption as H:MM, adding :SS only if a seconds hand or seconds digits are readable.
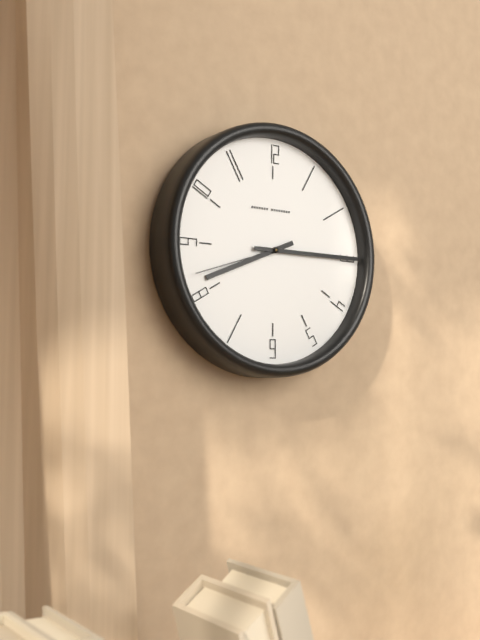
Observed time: 8:15:42
